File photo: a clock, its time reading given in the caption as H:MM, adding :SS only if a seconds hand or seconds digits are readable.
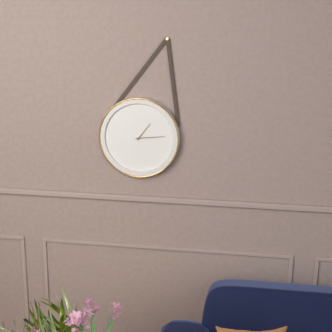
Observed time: 1:14
